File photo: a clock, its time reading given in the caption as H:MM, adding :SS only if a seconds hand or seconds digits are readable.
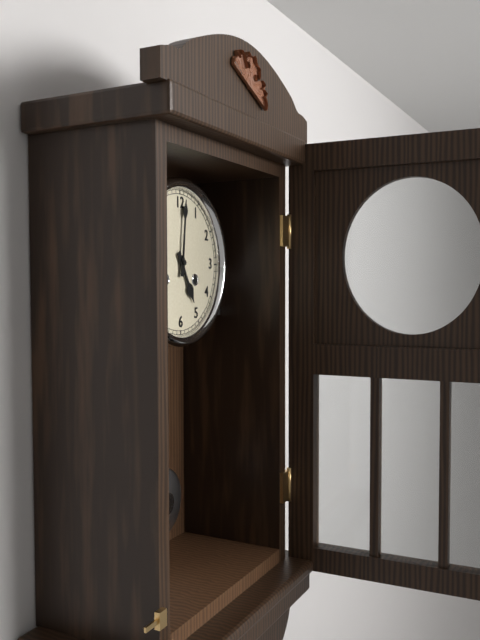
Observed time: 5:01
